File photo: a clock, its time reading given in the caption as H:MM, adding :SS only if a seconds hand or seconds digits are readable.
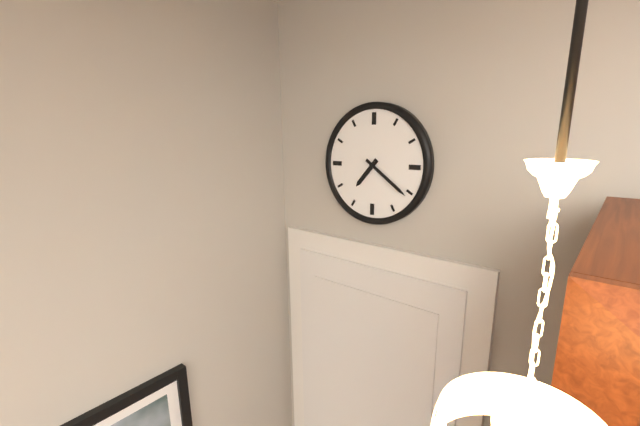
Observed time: 7:21
